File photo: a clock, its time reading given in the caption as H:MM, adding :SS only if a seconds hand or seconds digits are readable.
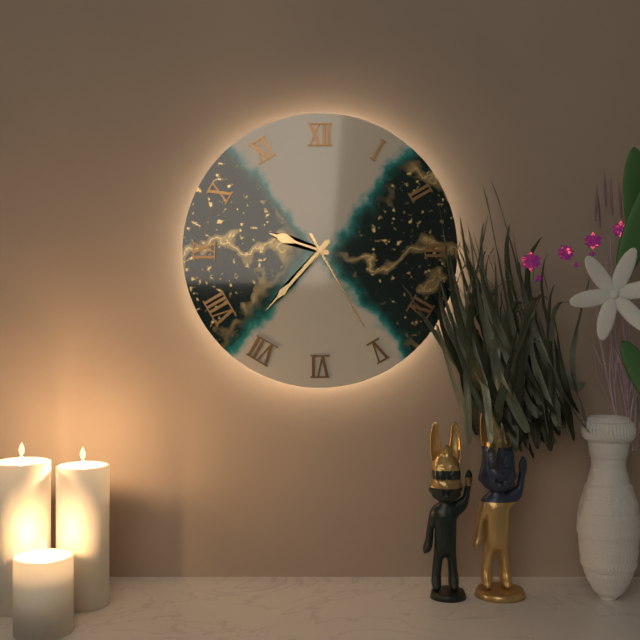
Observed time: 9:37:25
